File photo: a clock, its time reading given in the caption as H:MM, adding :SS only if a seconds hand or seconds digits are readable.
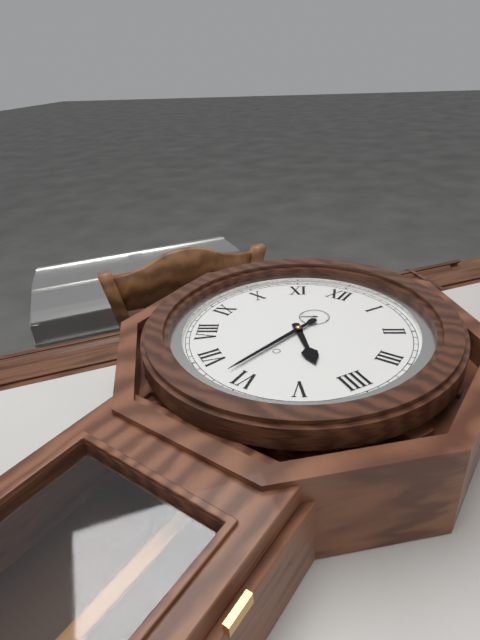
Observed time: 4:32
